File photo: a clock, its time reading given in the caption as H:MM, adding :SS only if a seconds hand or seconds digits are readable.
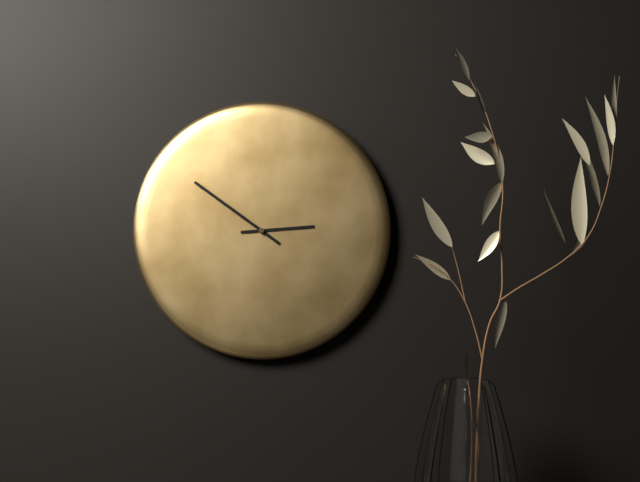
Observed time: 2:51
